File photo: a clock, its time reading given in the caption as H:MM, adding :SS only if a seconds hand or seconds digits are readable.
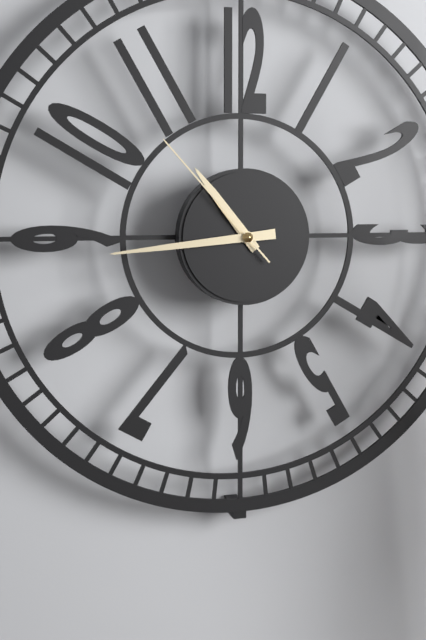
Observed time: 10:44:53
